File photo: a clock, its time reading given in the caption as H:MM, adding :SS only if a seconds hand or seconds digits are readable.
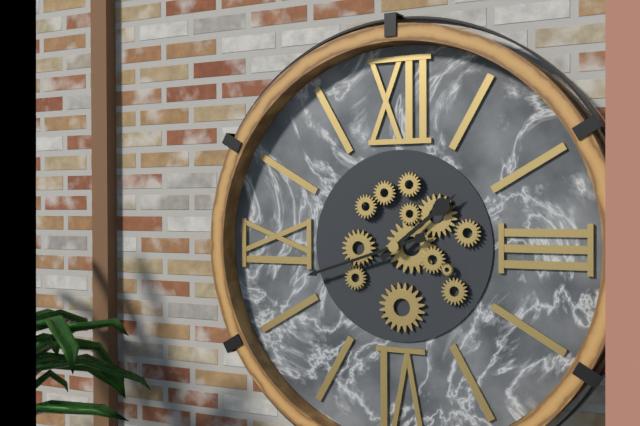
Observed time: 1:42
